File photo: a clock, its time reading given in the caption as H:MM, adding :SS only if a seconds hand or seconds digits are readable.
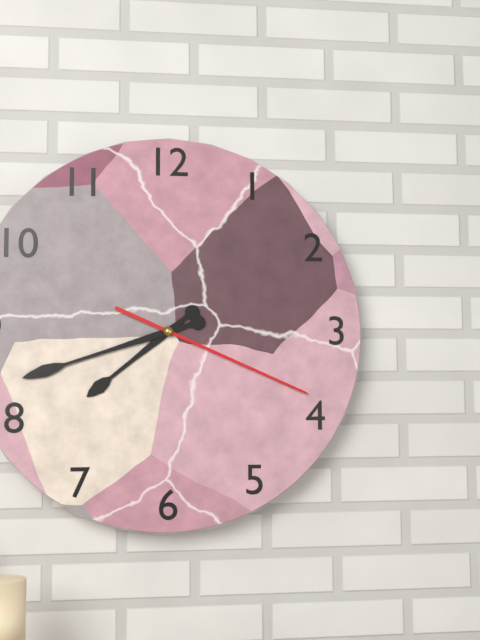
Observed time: 7:42:19
